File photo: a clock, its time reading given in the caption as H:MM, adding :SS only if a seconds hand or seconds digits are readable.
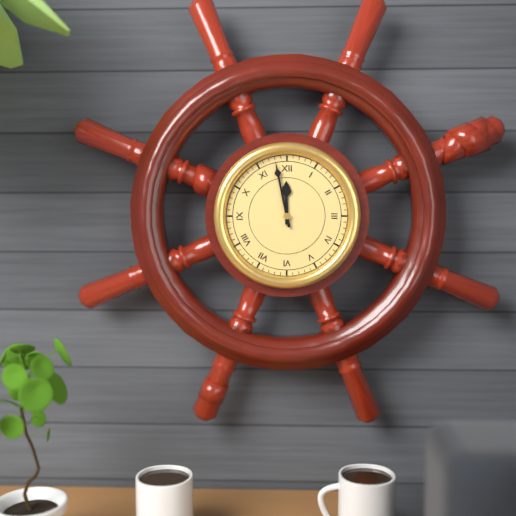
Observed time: 11:58
